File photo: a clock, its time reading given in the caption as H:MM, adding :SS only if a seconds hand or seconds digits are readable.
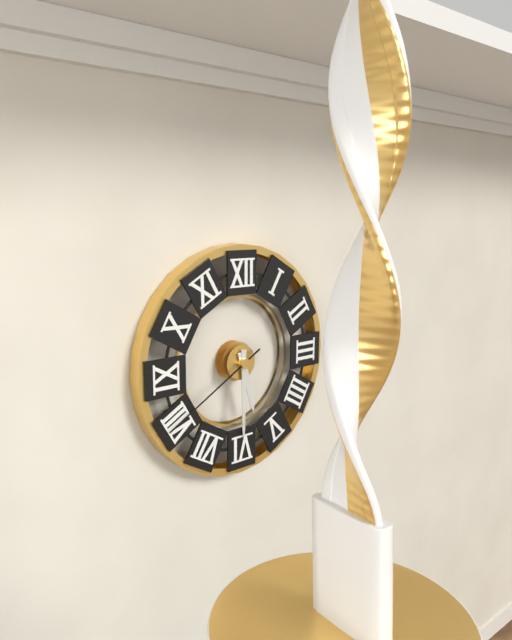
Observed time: 5:30:40
